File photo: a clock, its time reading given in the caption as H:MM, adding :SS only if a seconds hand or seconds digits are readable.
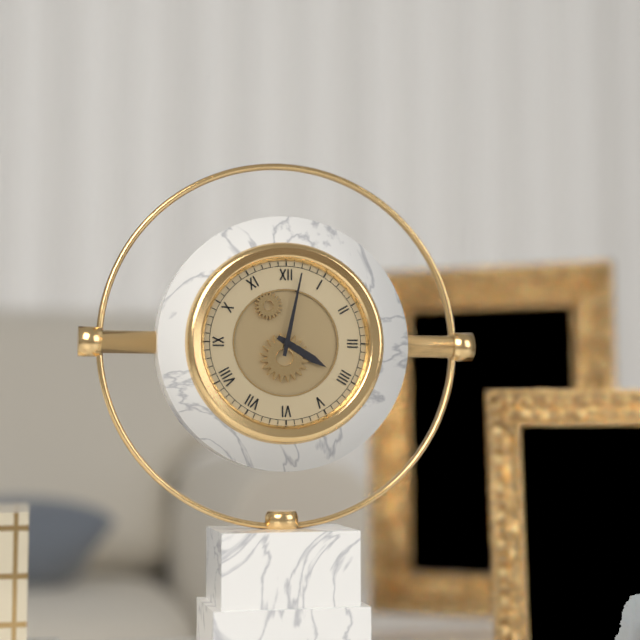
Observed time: 4:02
